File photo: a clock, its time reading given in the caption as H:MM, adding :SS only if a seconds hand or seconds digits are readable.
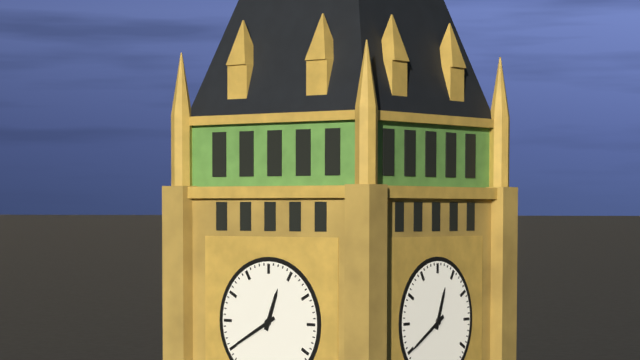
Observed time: 12:40
